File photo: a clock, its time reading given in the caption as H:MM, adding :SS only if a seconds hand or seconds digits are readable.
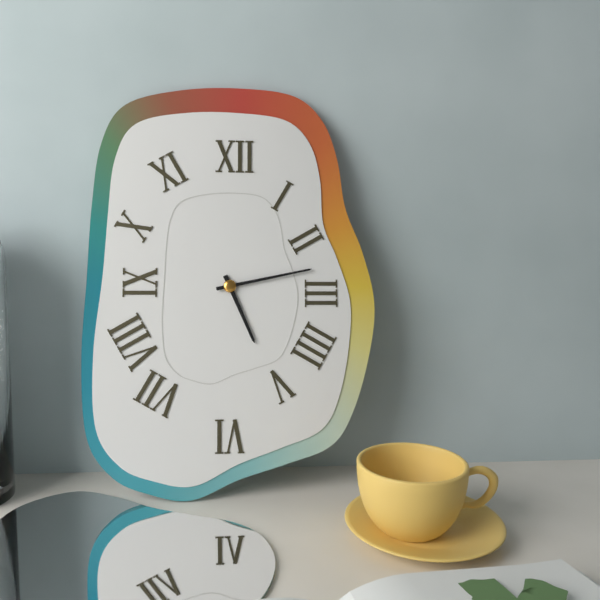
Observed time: 5:13
